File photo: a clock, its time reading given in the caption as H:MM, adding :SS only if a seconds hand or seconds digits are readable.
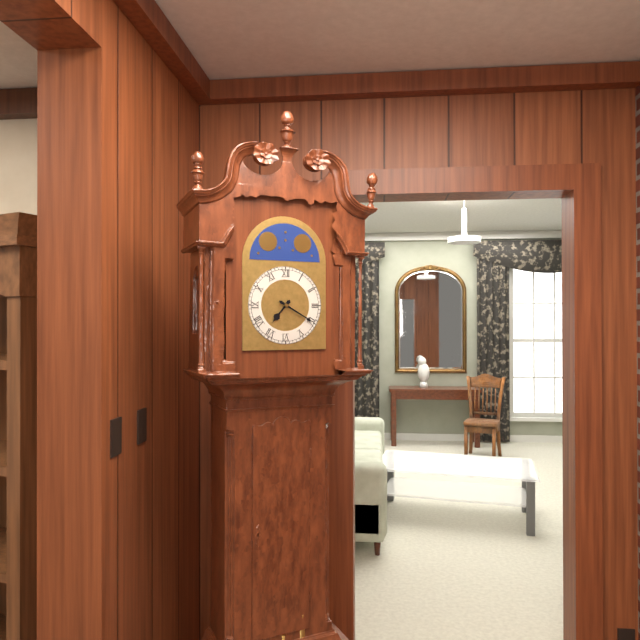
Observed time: 7:20
